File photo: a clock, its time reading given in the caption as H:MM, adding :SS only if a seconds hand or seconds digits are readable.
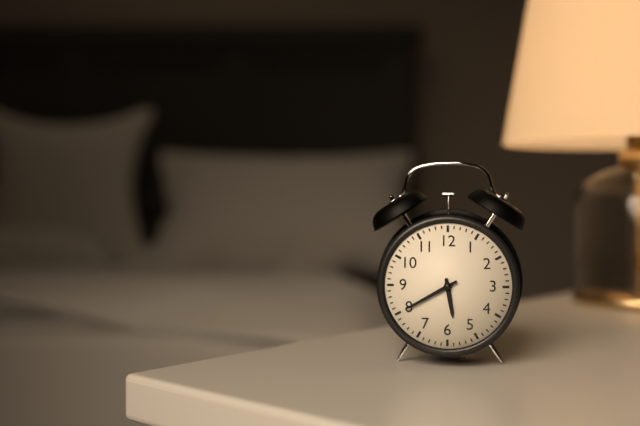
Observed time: 5:40
